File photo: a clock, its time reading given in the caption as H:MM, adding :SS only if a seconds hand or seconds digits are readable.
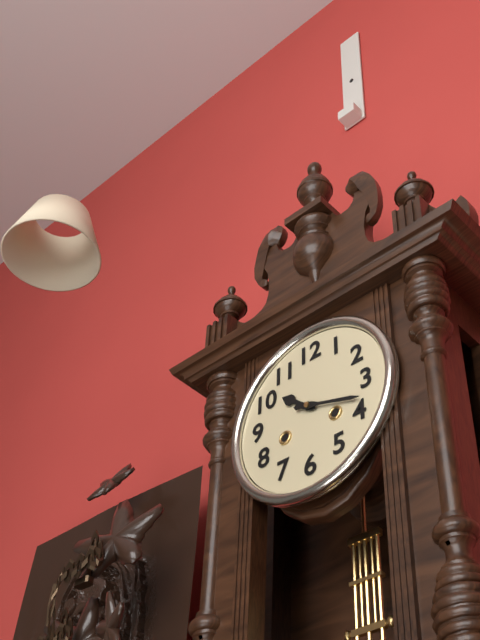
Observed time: 10:18
